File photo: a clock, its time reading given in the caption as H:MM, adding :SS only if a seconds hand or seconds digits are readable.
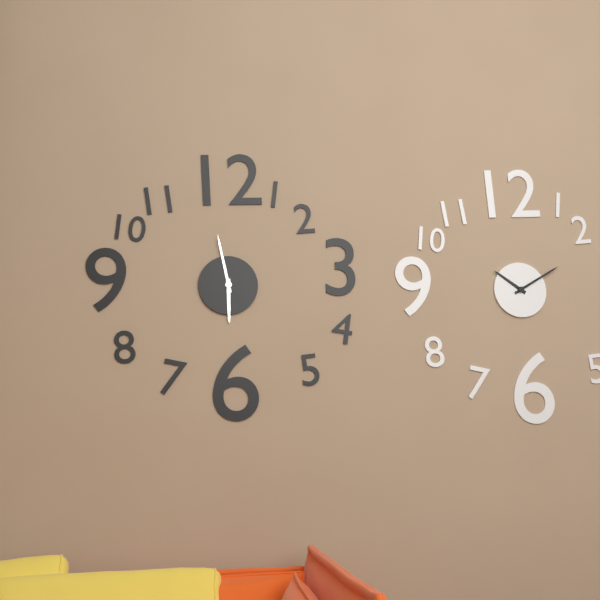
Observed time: 5:58
